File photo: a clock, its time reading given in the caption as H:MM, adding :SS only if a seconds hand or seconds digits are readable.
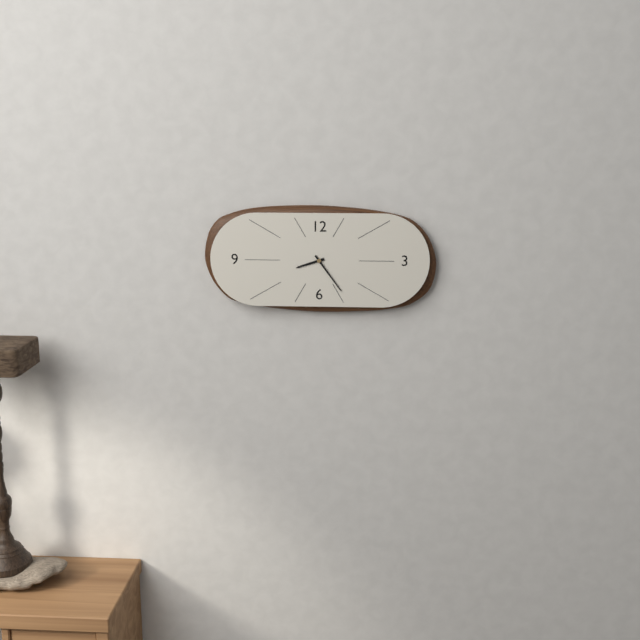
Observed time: 8:24
